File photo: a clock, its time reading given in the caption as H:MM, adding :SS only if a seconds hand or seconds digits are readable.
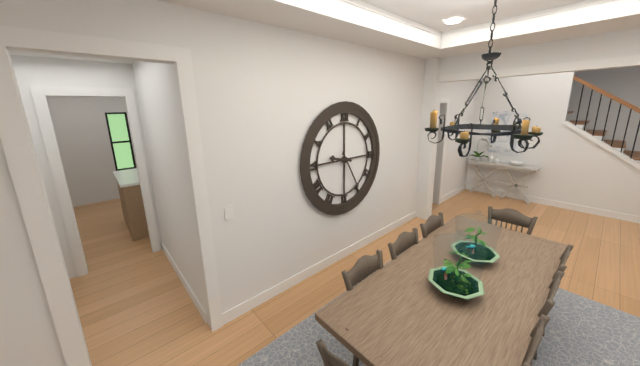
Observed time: 9:25
